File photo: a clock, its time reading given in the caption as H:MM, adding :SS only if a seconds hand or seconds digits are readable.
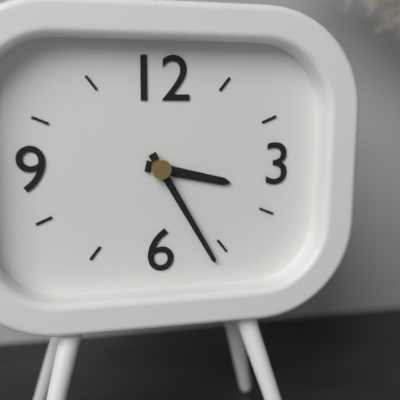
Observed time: 3:25
